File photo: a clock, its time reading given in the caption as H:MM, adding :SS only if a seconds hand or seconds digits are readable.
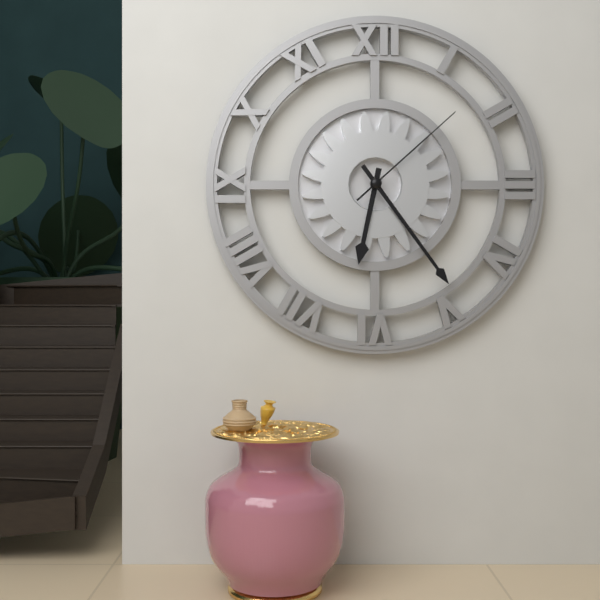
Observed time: 6:24:08
